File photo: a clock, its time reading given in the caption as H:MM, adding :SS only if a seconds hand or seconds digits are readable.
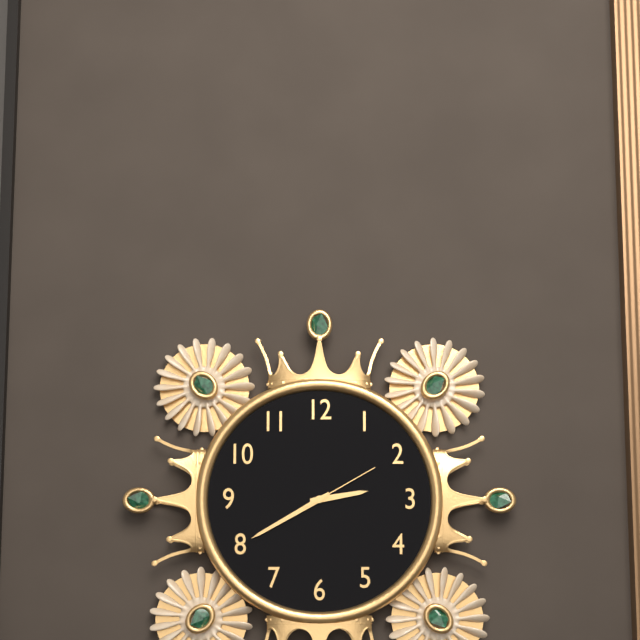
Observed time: 2:40:10
